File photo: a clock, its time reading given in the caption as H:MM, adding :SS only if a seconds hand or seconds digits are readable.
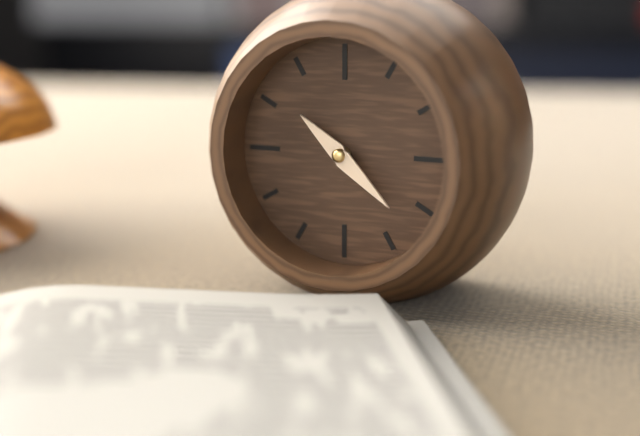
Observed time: 10:22
